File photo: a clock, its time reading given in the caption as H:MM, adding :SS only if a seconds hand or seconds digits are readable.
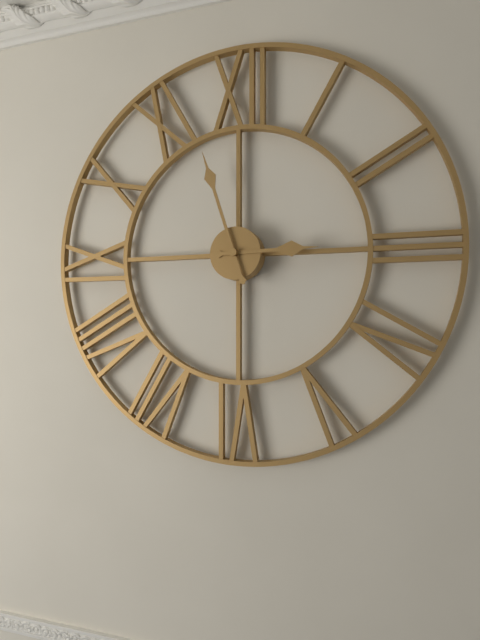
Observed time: 2:57
